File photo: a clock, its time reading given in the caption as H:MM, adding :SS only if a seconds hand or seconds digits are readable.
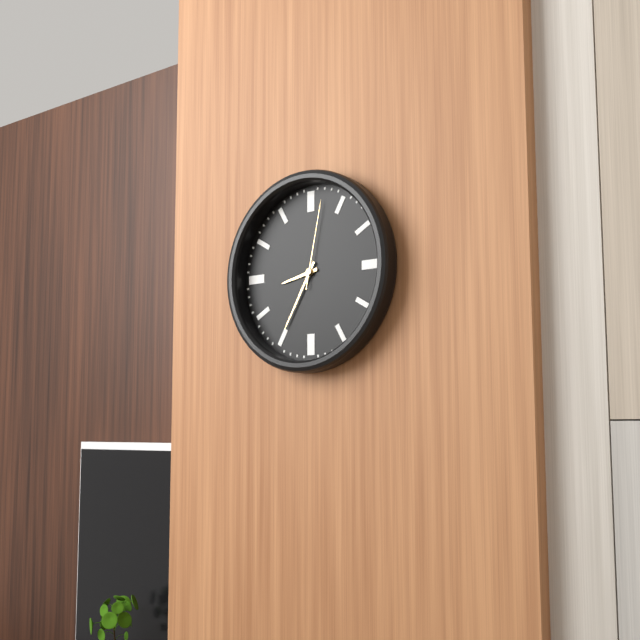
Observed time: 8:35:02
